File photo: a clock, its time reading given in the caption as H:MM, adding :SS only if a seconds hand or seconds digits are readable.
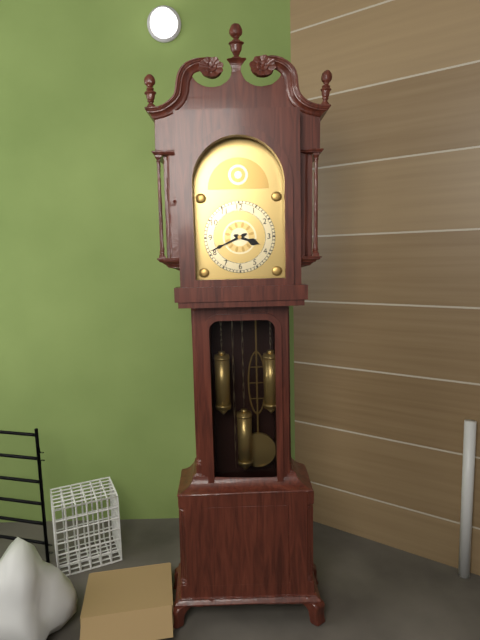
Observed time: 3:41
